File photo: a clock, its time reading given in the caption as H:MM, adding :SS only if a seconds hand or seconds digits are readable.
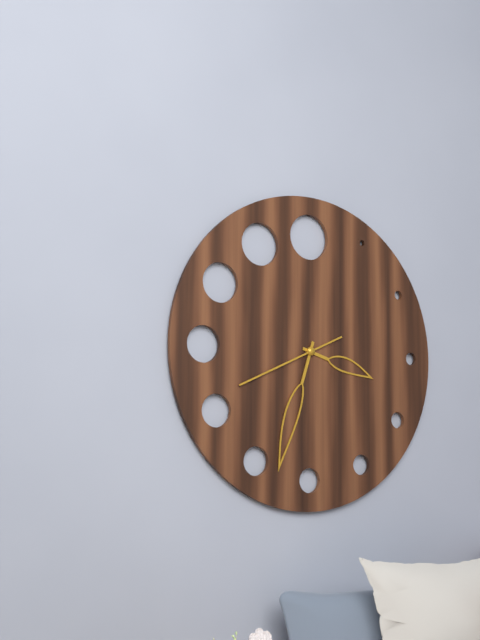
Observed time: 3:33:41
